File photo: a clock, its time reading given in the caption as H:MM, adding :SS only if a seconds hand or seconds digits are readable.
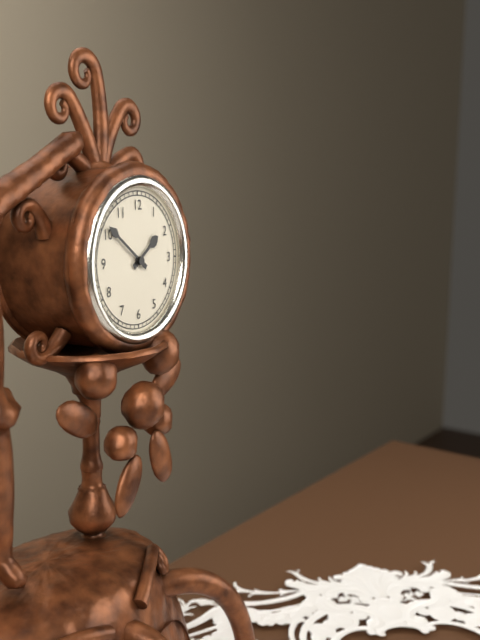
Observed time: 1:51
